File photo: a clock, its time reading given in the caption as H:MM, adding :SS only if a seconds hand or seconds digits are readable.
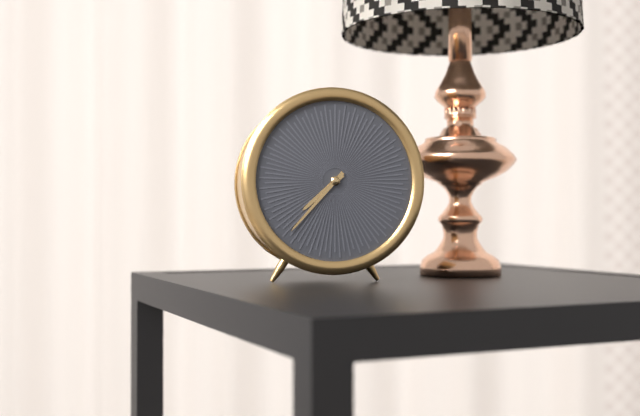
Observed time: 7:37
